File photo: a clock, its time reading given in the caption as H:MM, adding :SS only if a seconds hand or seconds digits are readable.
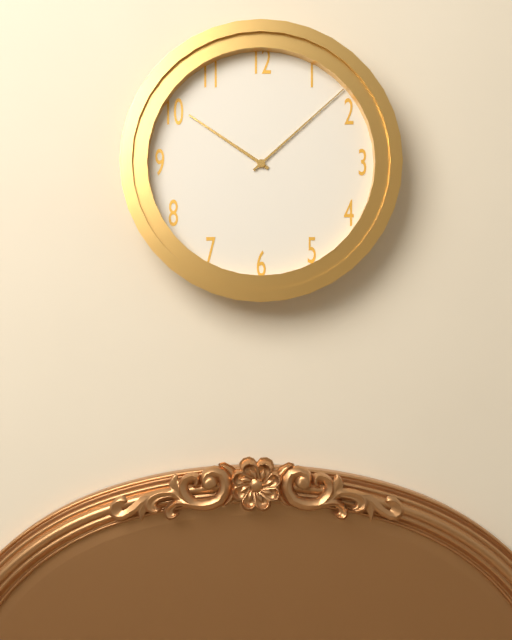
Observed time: 10:08
